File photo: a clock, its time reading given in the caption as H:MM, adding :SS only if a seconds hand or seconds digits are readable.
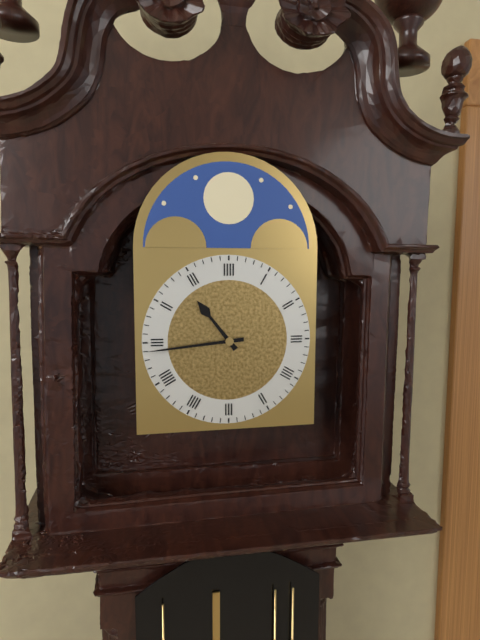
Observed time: 10:44
